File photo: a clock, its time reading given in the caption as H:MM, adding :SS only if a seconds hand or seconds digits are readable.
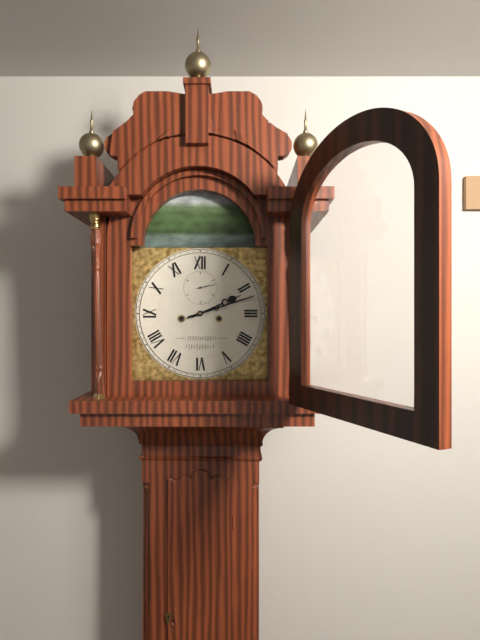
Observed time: 2:12
